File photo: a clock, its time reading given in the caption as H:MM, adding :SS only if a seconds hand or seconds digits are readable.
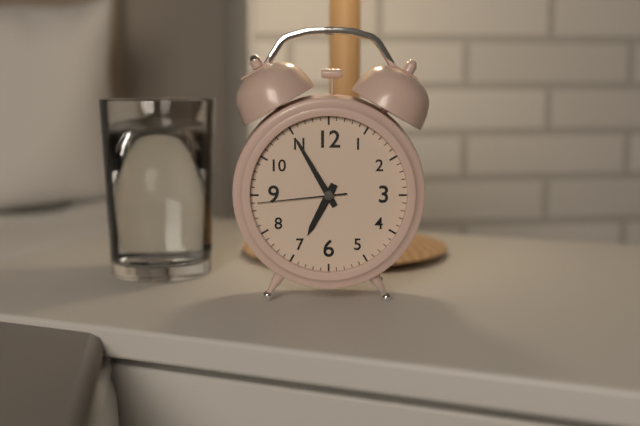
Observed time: 6:55:44
